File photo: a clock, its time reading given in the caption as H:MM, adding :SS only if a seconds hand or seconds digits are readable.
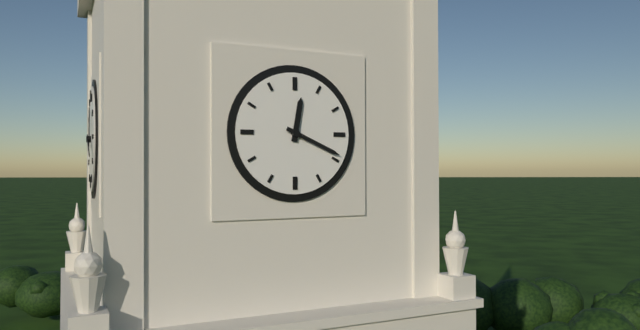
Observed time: 12:19
